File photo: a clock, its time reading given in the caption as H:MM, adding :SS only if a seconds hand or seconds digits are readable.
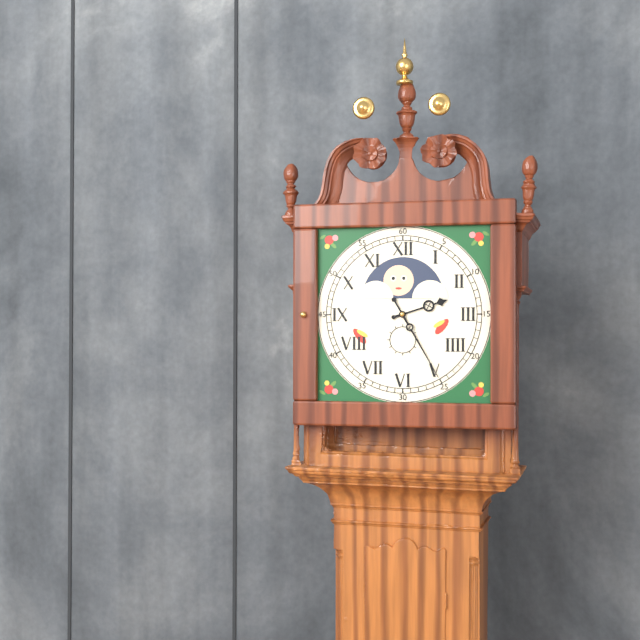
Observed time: 2:25
